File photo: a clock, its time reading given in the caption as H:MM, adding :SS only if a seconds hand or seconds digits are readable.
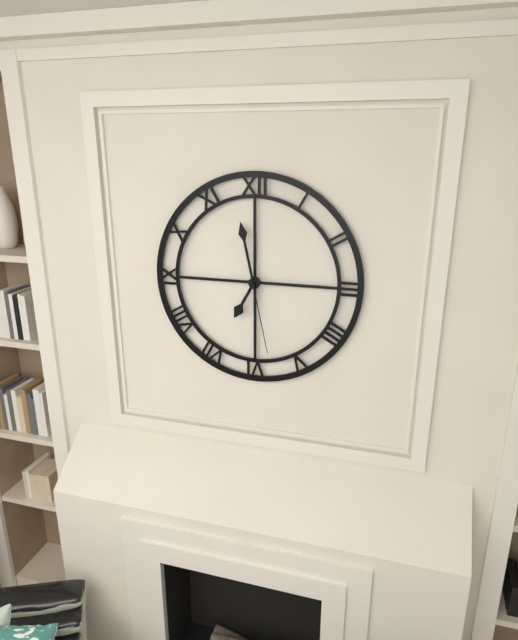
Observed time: 6:58:28
